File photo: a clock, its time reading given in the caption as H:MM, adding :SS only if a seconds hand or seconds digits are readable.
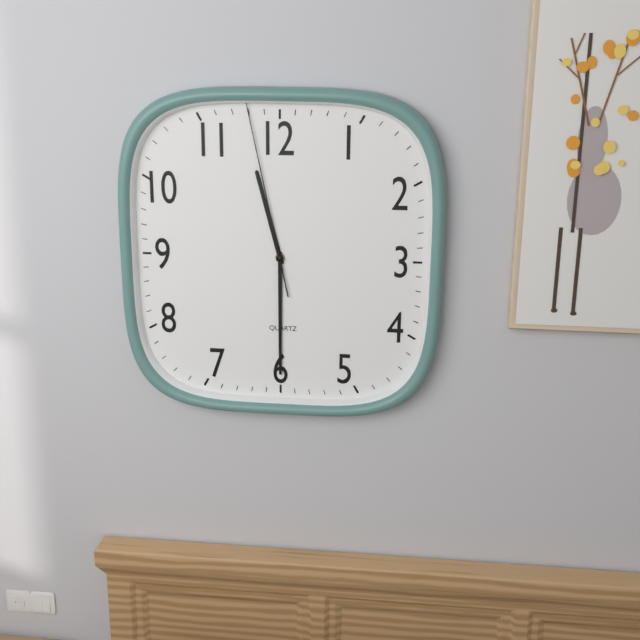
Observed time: 11:30:58
